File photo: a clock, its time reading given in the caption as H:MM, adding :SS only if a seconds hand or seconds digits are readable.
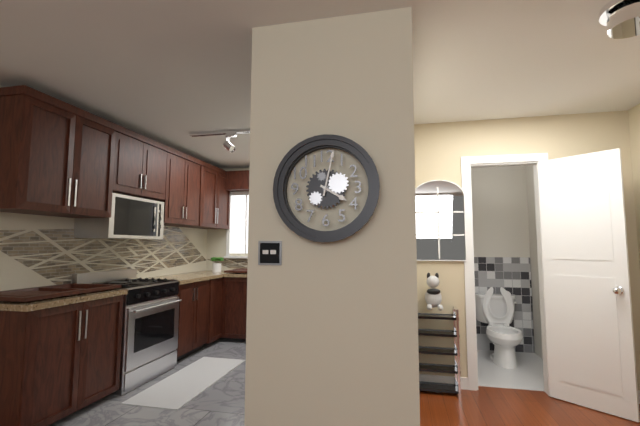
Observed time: 4:02
